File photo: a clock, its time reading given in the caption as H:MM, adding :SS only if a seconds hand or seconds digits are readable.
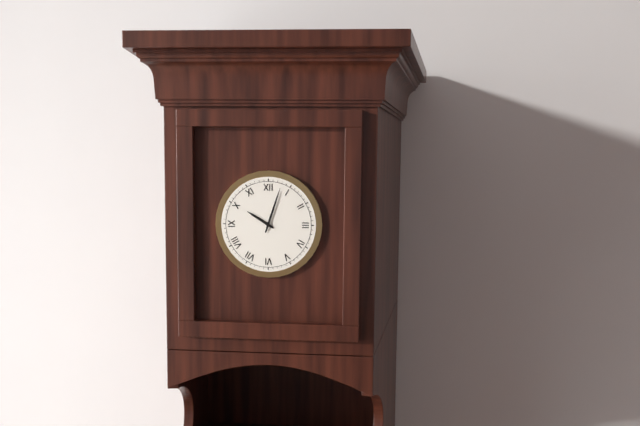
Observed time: 10:03
